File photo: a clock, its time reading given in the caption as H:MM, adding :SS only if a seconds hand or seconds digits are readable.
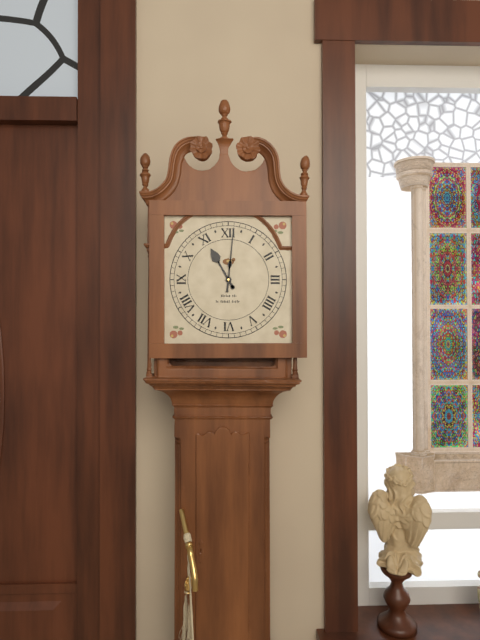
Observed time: 11:01
